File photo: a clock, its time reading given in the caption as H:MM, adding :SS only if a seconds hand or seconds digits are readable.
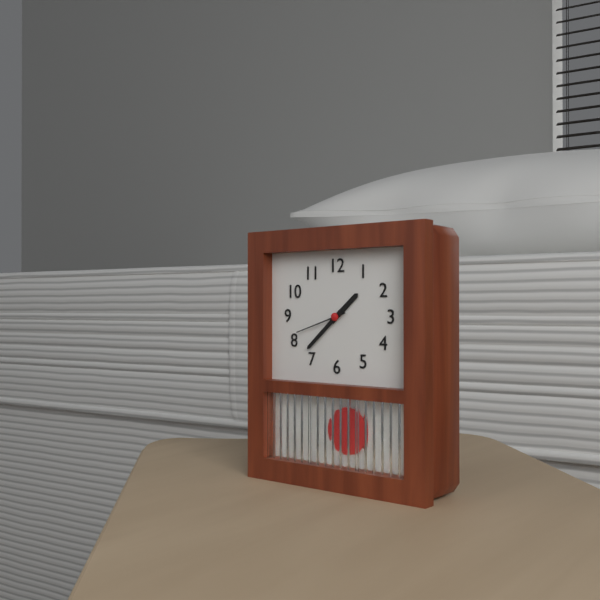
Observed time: 1:38:42
